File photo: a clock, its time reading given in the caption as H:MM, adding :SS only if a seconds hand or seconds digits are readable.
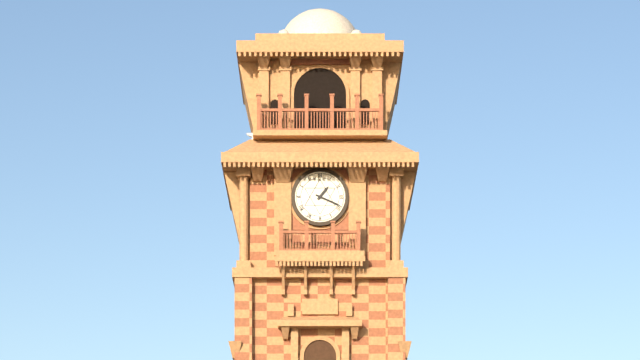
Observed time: 1:19
